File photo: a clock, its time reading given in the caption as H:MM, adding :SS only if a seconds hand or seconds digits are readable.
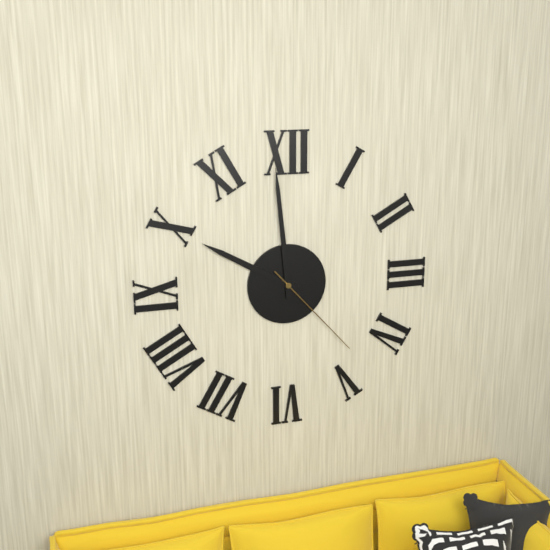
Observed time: 9:59:23
